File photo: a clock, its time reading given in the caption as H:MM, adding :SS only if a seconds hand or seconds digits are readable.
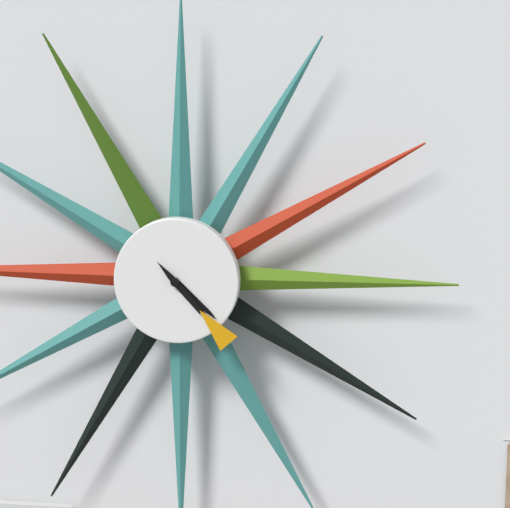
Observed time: 4:23
